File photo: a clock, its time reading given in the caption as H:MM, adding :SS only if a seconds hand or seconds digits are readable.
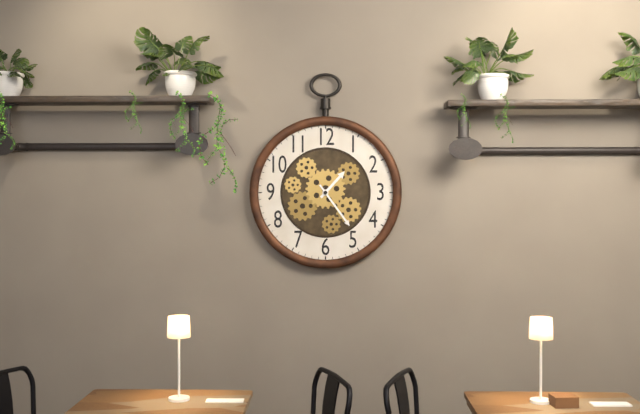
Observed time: 1:24
